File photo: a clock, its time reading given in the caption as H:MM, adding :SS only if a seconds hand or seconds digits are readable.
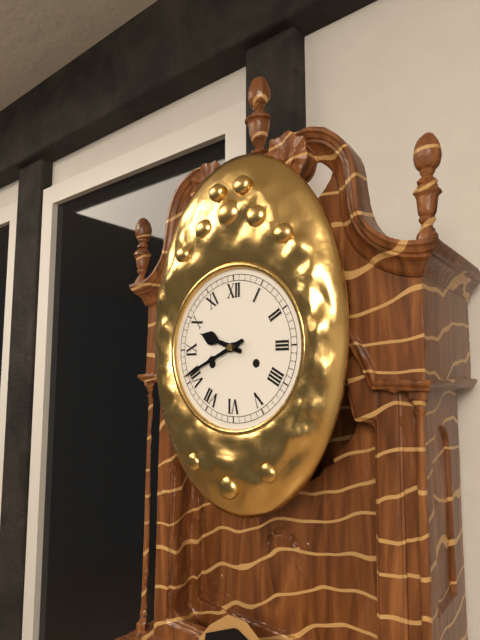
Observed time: 9:41
